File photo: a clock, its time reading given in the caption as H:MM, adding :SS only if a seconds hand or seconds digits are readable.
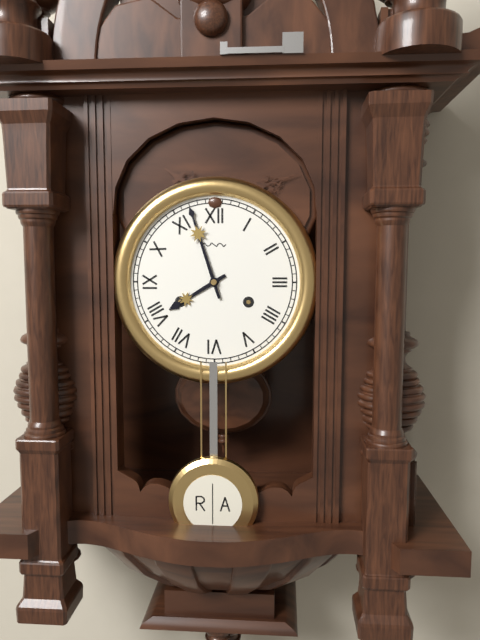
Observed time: 7:57
